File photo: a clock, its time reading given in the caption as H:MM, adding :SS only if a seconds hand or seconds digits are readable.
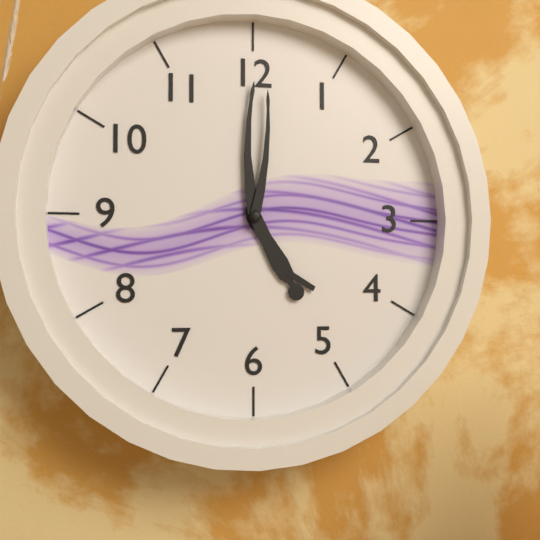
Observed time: 5:00:01
